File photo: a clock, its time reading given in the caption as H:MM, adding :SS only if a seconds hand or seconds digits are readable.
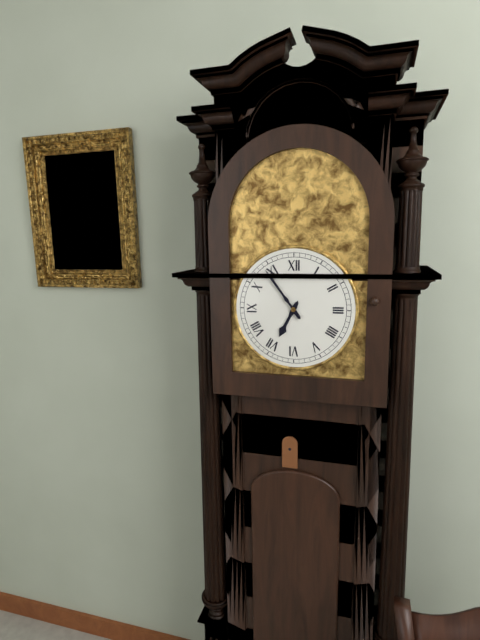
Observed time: 6:54
